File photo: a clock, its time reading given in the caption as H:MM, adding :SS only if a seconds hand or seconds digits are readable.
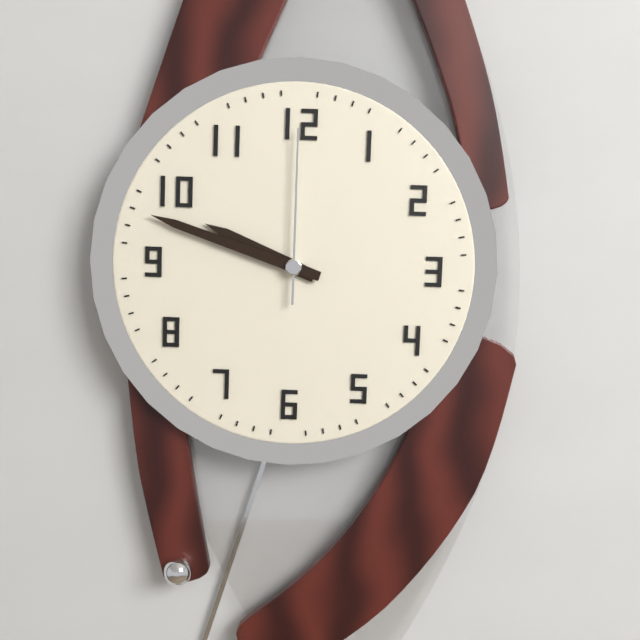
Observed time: 9:48:00
